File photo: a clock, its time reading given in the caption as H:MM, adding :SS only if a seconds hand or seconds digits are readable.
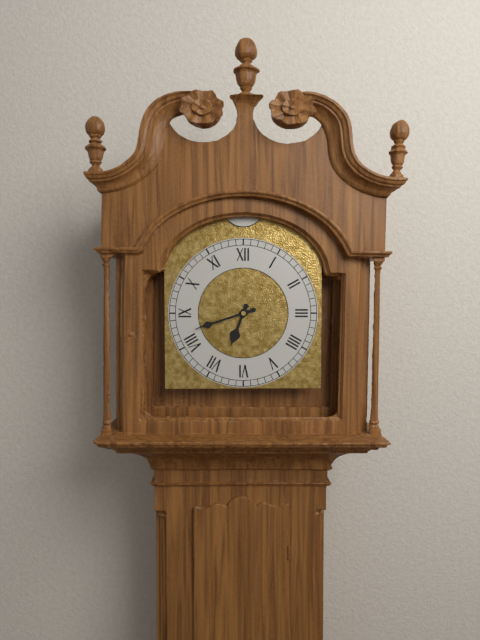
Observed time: 6:42
